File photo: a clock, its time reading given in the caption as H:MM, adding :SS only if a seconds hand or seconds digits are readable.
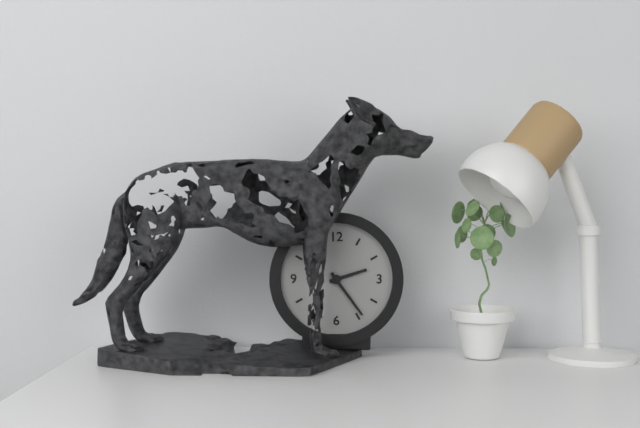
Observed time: 2:24
